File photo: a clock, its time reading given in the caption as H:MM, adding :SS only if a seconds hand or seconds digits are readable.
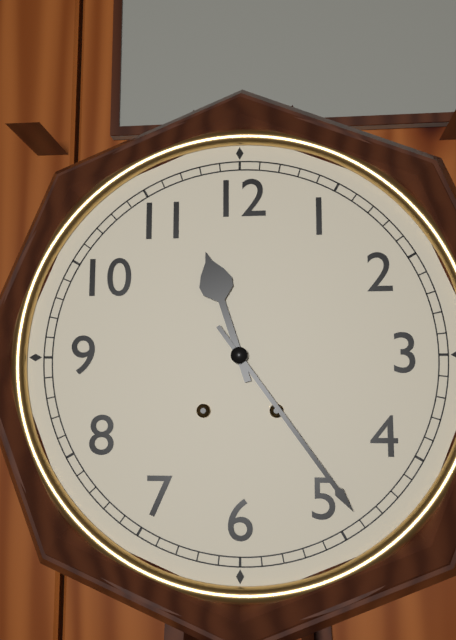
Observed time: 11:24
